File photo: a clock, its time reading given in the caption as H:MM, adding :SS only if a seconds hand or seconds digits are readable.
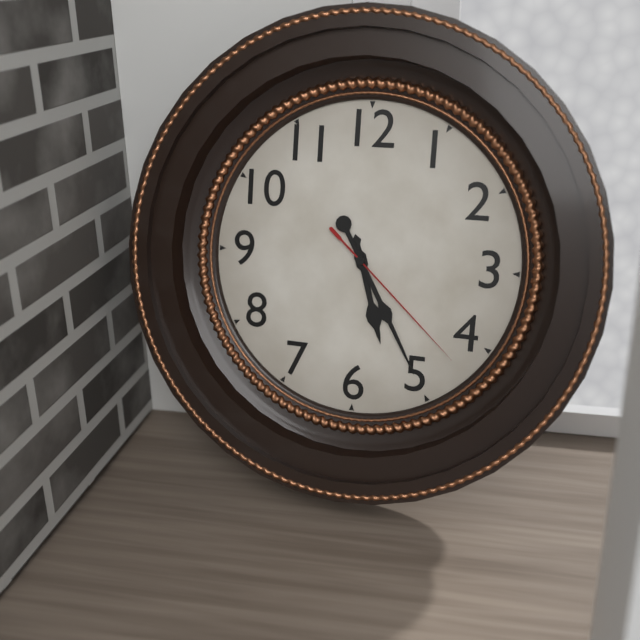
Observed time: 5:25:22
